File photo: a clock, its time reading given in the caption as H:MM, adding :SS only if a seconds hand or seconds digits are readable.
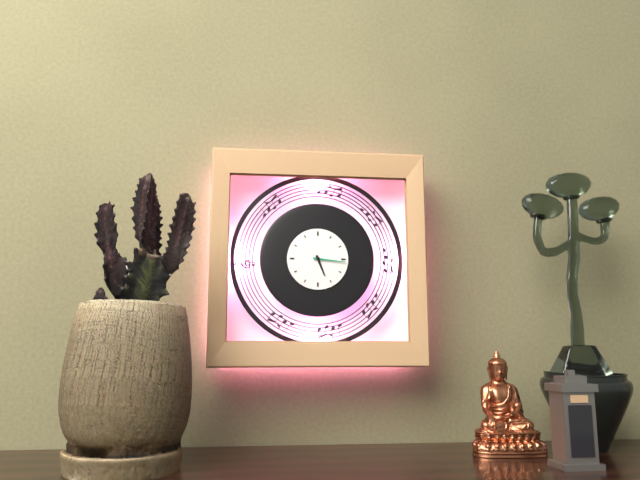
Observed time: 5:16
